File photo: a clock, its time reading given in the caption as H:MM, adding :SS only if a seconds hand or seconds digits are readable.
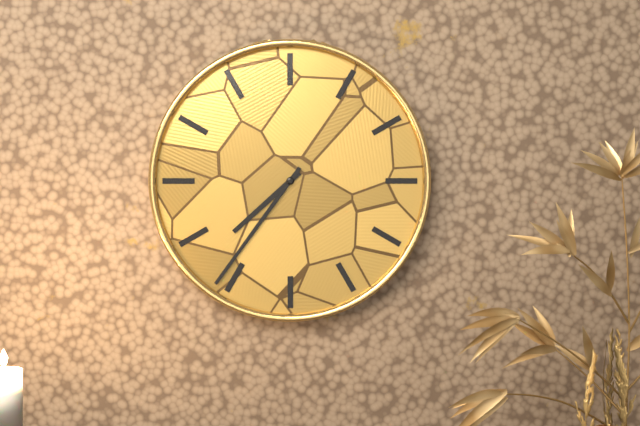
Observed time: 7:36
